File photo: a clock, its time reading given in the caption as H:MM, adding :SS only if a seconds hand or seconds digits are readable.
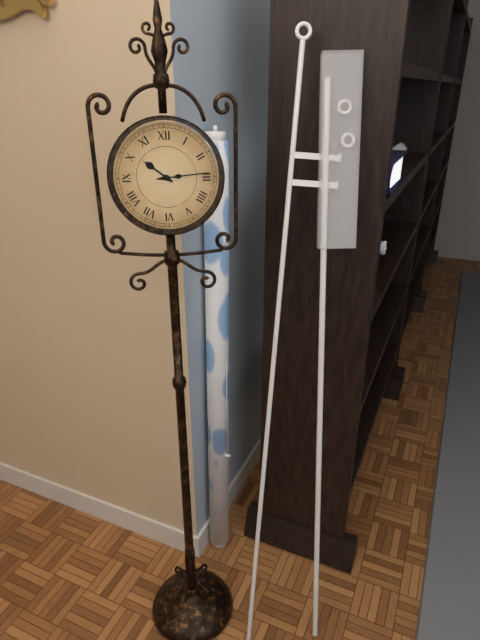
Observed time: 10:14
